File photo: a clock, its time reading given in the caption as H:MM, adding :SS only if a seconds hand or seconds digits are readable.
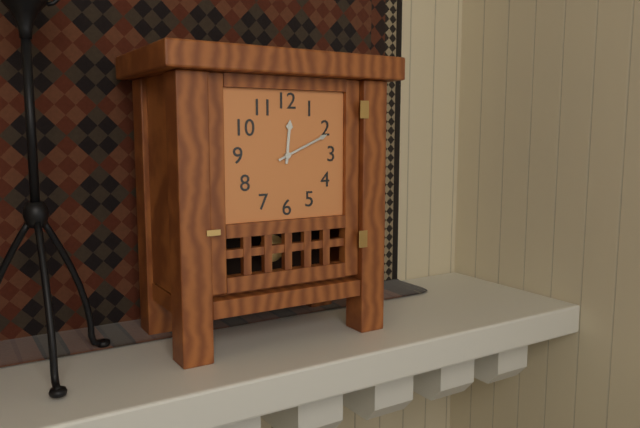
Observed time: 12:11
